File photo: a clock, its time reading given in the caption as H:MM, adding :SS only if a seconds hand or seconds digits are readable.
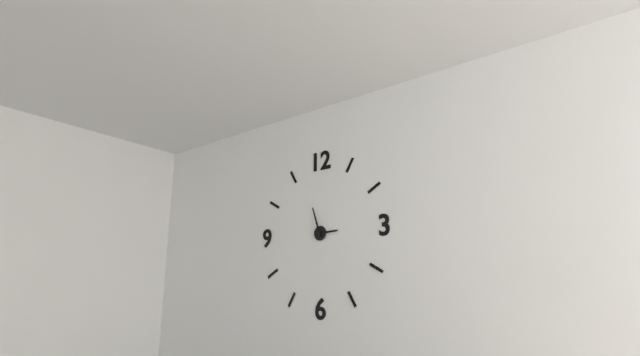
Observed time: 2:57
